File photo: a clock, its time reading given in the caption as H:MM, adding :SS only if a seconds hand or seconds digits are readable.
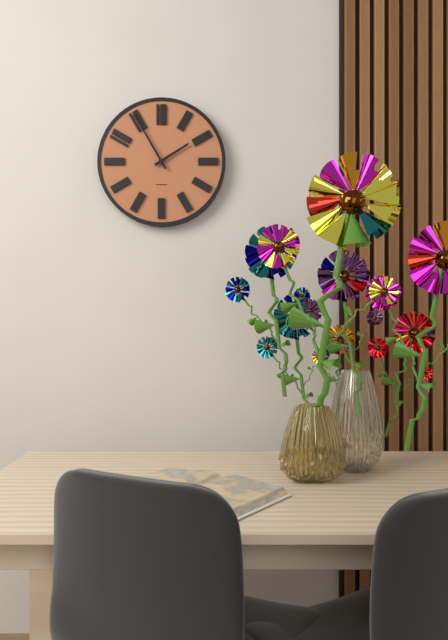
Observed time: 1:55
